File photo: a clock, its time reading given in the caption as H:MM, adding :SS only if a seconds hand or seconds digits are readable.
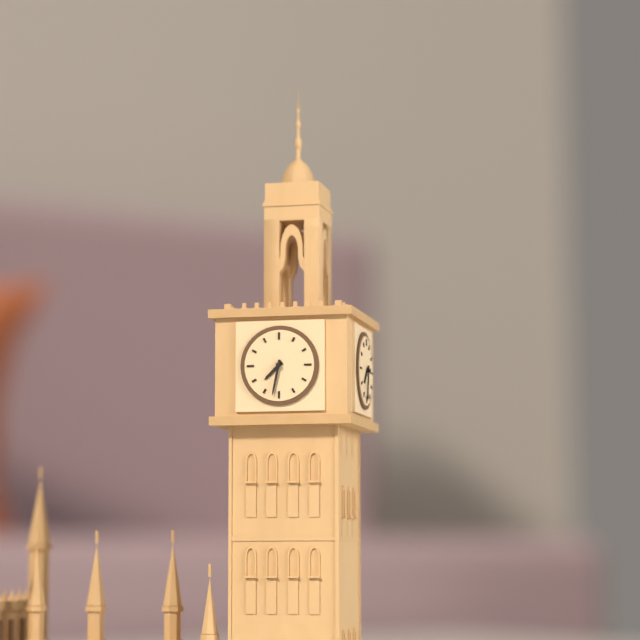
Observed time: 7:32
